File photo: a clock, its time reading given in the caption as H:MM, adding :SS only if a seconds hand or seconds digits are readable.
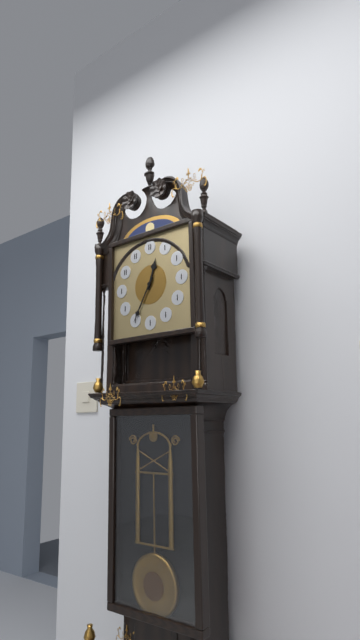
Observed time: 12:35
